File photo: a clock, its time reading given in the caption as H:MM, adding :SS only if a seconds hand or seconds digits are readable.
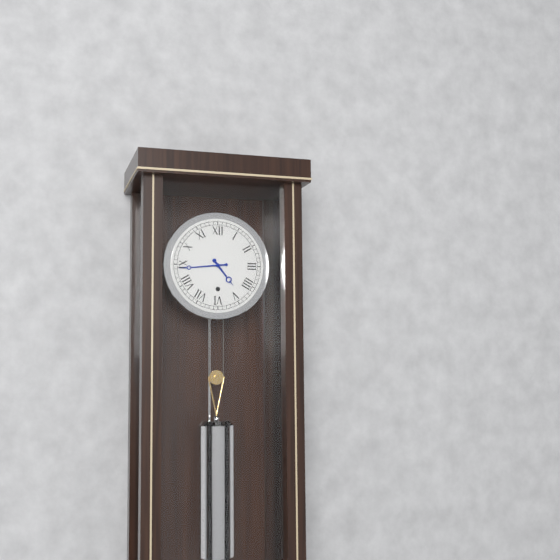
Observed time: 4:44
